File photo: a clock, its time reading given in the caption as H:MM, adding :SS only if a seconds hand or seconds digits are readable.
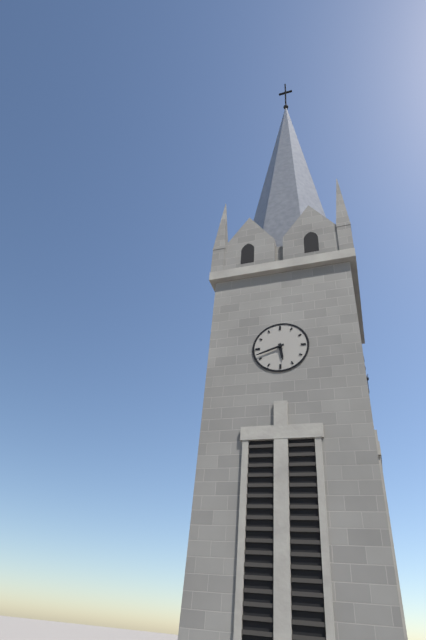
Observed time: 5:42
